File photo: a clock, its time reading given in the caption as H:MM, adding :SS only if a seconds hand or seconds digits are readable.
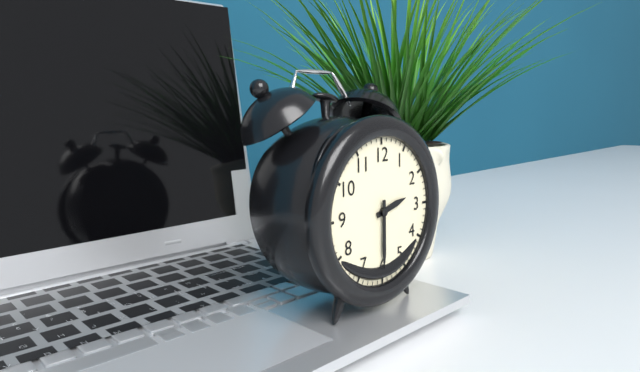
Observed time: 2:30
